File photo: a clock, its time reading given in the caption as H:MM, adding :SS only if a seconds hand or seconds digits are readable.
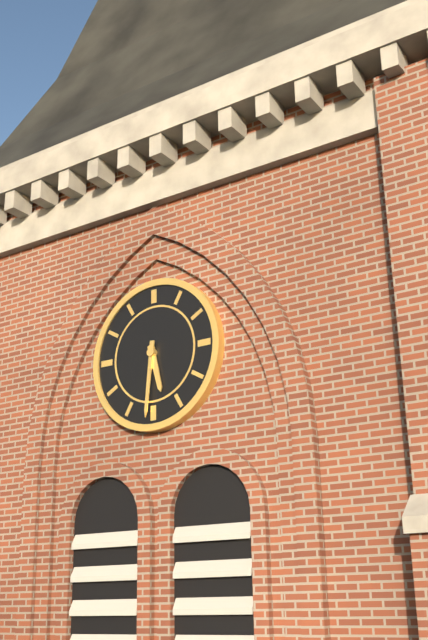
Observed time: 5:31
